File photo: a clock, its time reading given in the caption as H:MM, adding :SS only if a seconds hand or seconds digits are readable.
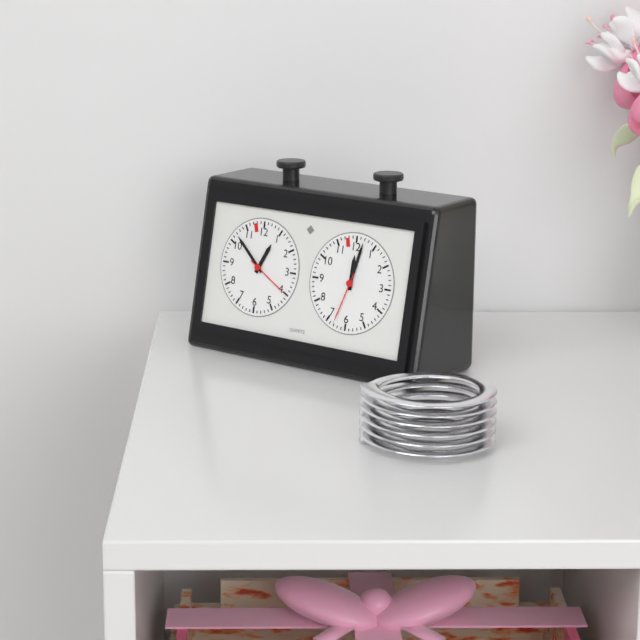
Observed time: 12:52
